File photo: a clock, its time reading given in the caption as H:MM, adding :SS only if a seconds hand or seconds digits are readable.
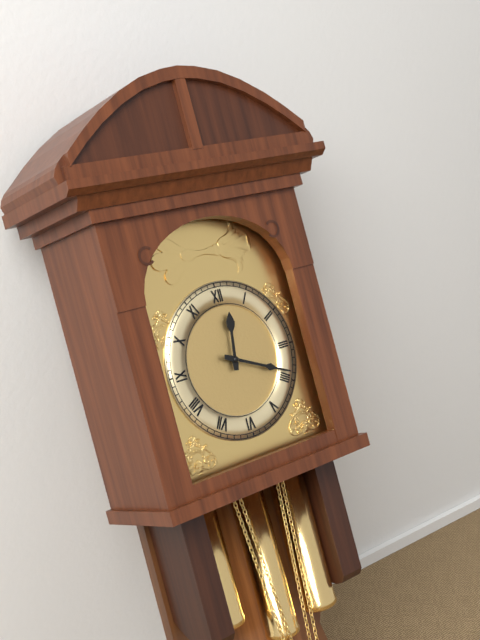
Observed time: 12:19
